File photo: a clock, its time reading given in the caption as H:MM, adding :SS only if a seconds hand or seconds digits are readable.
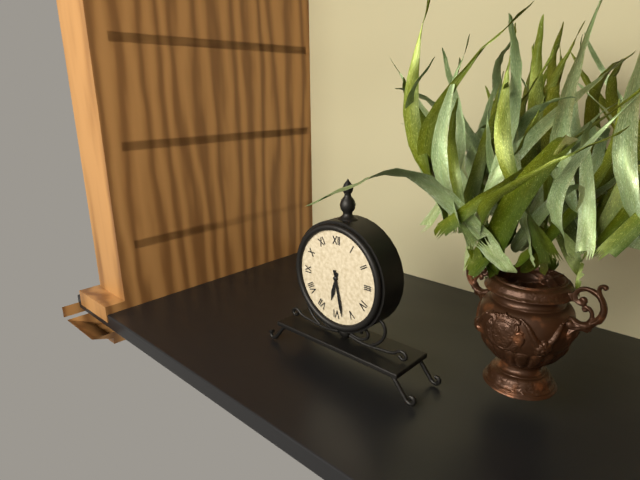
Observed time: 6:28
